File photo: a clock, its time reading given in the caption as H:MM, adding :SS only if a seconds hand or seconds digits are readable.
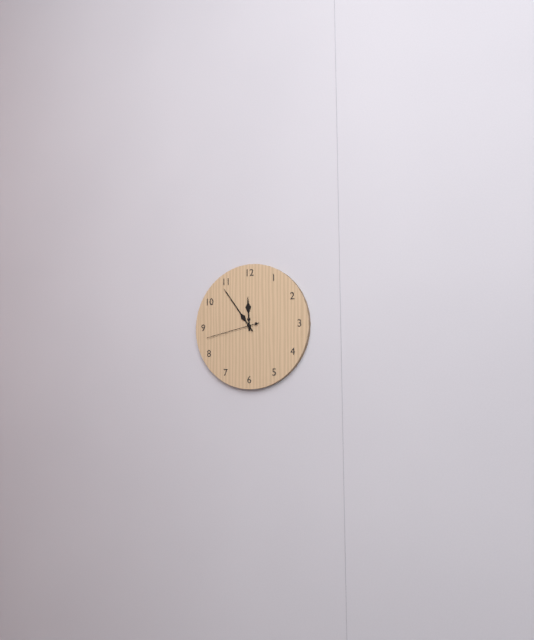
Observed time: 11:54:43
